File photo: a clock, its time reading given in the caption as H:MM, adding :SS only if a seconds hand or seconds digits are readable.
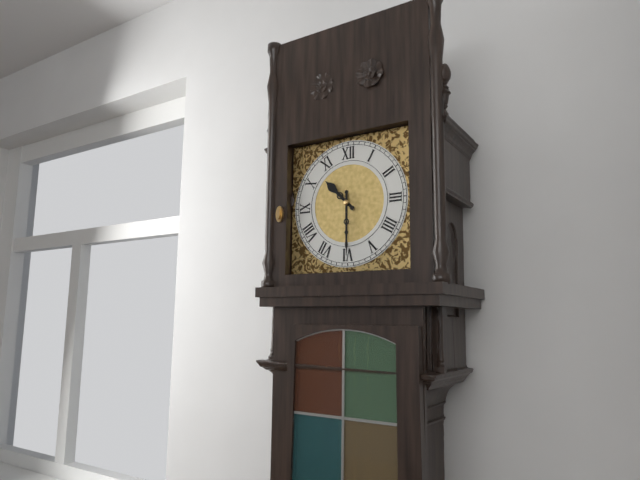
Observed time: 10:30
